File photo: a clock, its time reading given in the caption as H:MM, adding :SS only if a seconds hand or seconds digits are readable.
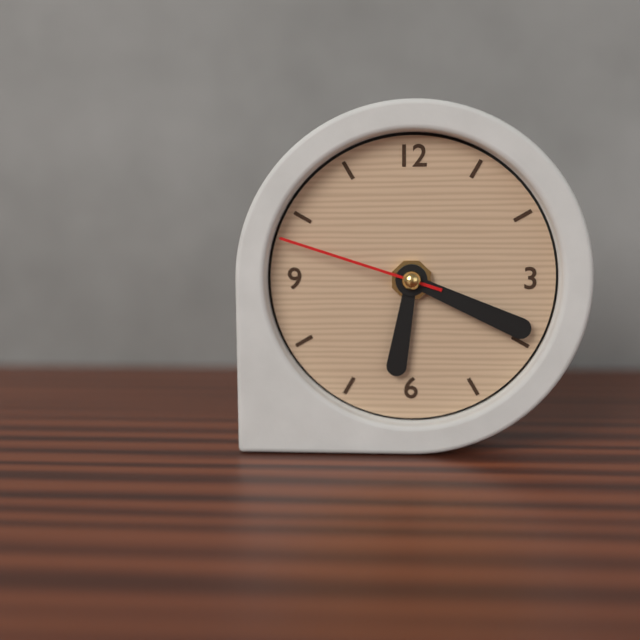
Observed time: 6:19:48
